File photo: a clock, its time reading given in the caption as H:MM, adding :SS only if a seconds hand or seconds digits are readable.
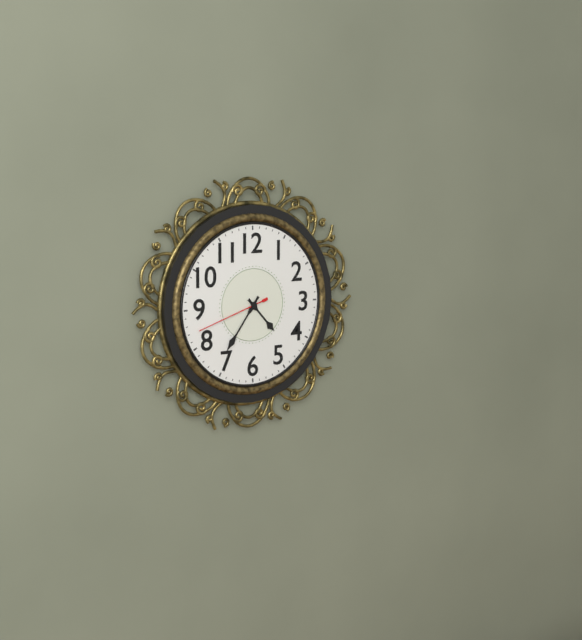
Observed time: 4:36:42
